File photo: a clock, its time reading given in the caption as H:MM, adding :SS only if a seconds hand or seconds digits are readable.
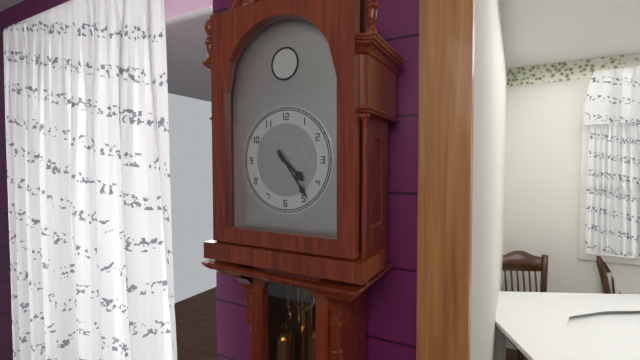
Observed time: 4:24
